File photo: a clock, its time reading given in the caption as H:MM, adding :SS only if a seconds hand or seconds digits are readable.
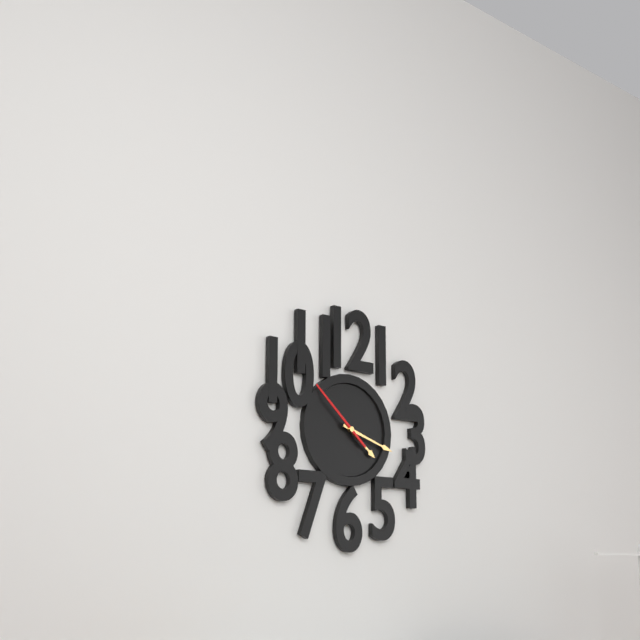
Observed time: 4:18:52
